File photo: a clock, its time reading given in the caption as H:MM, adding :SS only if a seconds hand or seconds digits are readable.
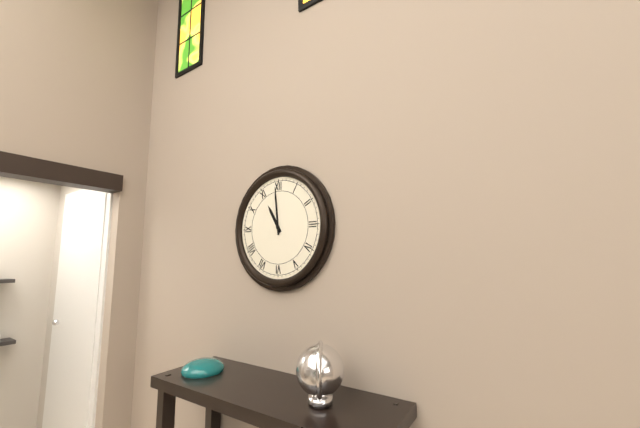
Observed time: 10:59
